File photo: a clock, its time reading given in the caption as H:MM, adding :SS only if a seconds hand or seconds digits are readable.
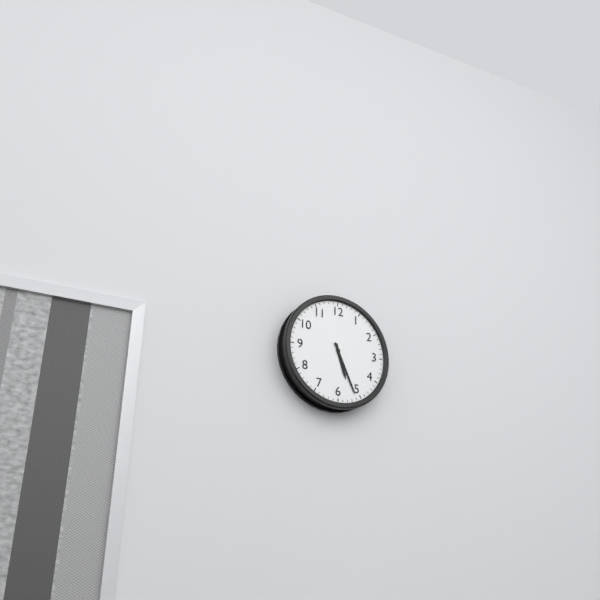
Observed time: 5:26
